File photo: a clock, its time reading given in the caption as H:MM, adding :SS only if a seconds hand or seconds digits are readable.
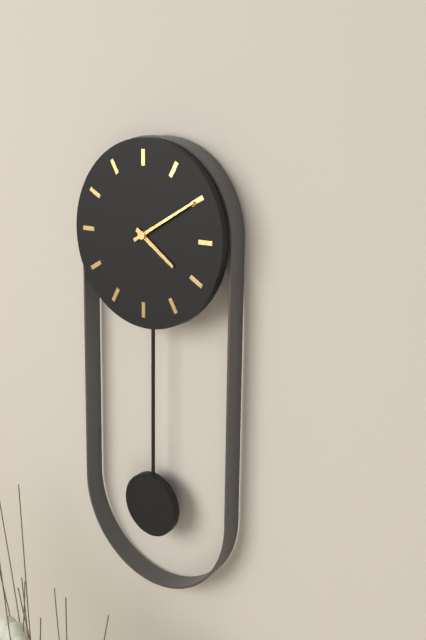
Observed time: 4:10
